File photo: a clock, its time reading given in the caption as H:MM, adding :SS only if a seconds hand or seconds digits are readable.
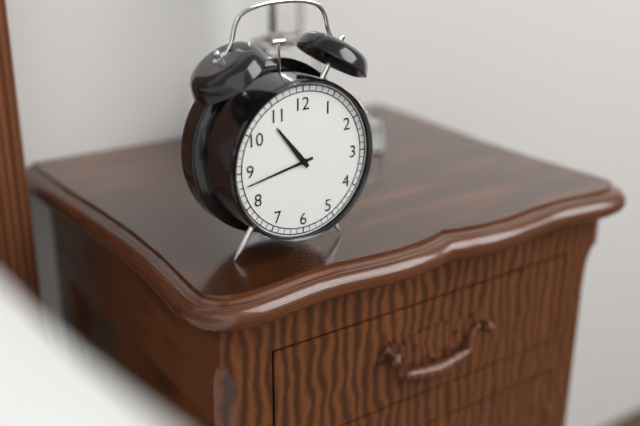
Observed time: 10:43
